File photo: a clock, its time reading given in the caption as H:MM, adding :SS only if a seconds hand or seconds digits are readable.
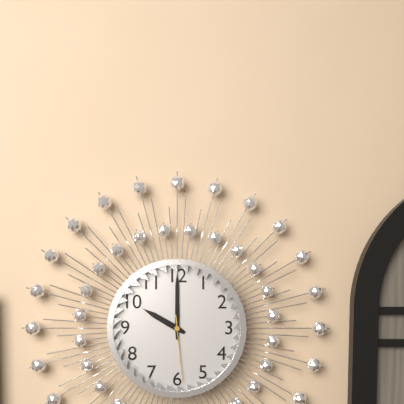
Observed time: 10:00:29
